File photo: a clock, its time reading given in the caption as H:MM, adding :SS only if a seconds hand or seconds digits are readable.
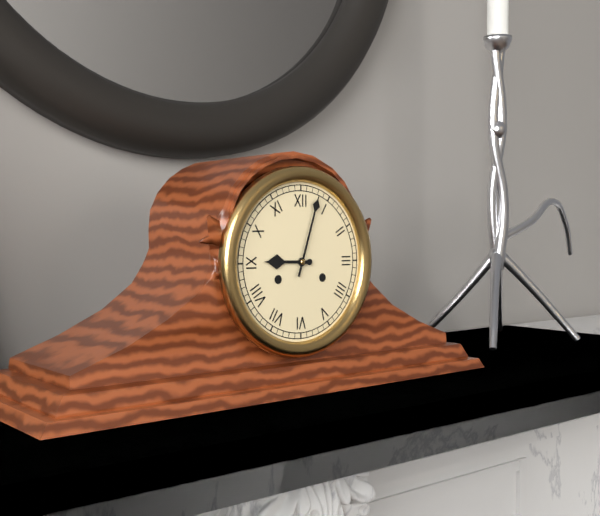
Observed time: 9:03
